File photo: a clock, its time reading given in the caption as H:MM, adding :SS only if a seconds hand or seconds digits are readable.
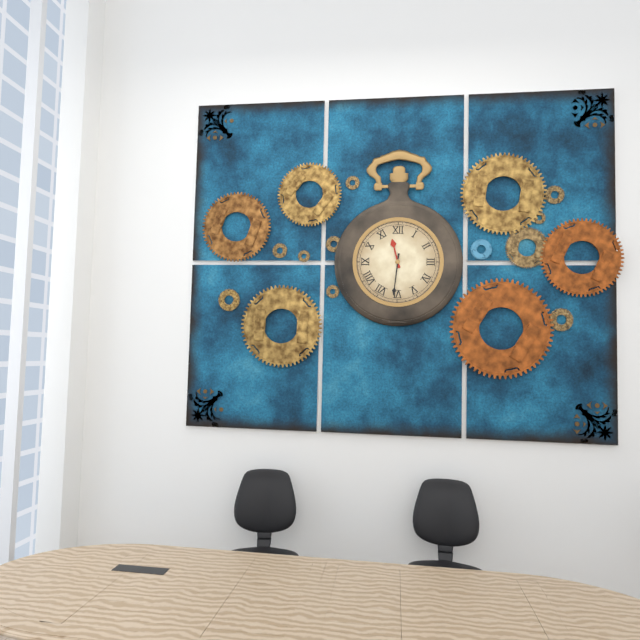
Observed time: 11:31
